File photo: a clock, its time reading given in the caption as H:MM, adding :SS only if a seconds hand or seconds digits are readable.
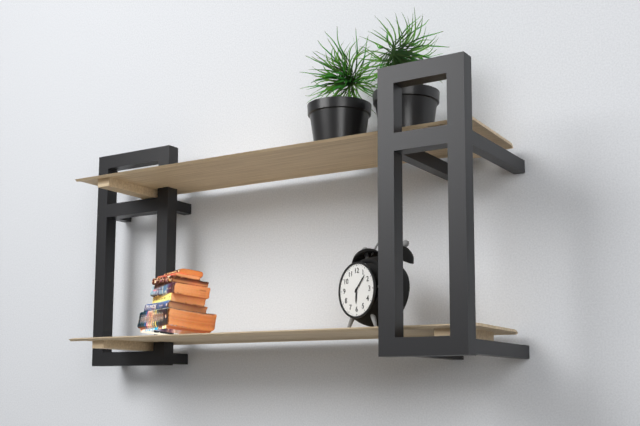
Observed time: 6:07
